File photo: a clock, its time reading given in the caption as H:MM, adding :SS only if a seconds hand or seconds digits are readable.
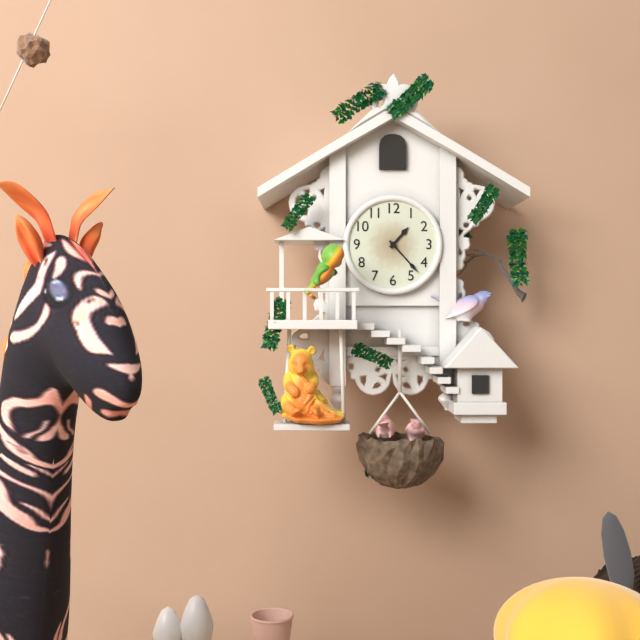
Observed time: 1:23
